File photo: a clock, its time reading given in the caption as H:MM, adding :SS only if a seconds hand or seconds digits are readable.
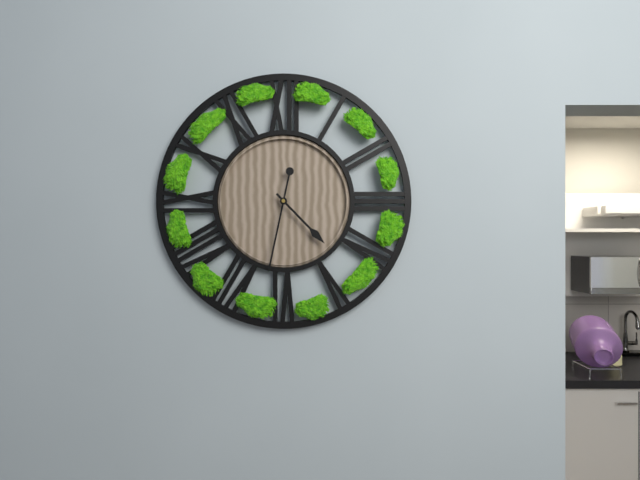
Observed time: 4:32
